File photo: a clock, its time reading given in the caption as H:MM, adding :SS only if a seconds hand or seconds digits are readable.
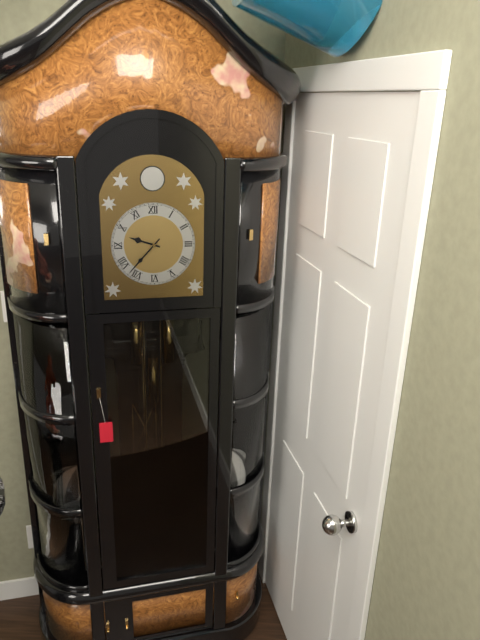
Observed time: 9:37
